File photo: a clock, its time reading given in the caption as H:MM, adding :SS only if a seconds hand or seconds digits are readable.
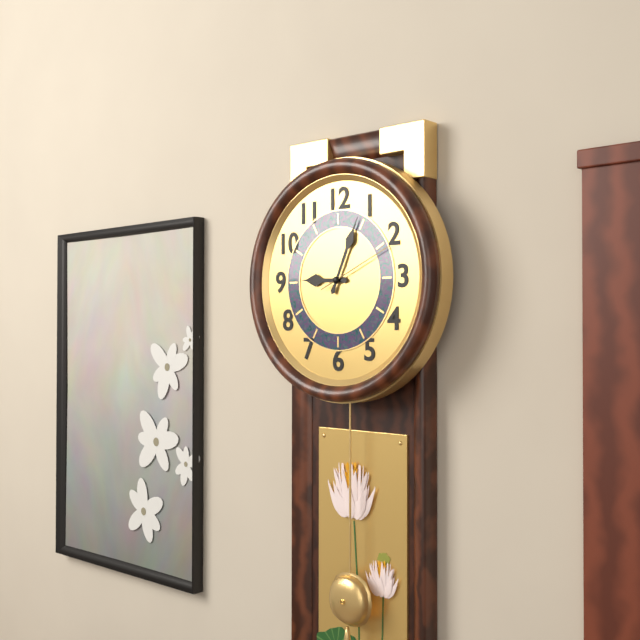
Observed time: 9:04:11
